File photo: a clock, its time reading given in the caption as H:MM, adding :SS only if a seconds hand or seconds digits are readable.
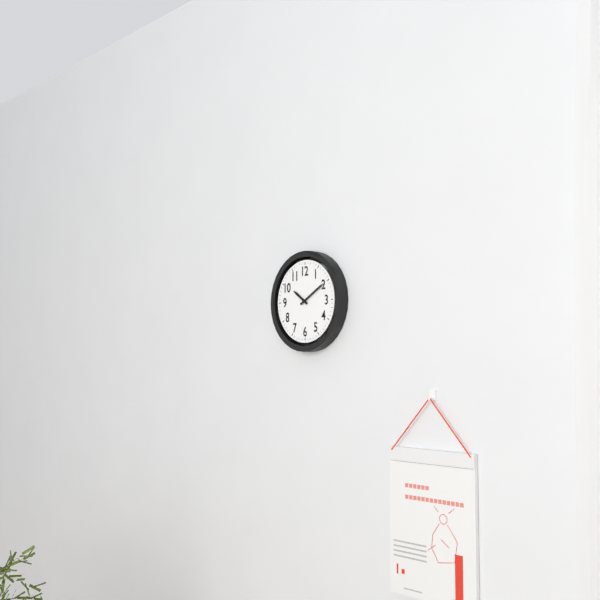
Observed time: 10:10
